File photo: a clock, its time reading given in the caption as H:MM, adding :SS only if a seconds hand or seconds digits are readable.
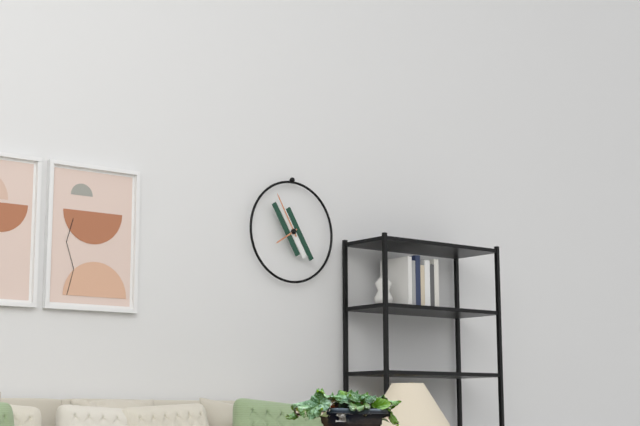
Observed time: 7:55
